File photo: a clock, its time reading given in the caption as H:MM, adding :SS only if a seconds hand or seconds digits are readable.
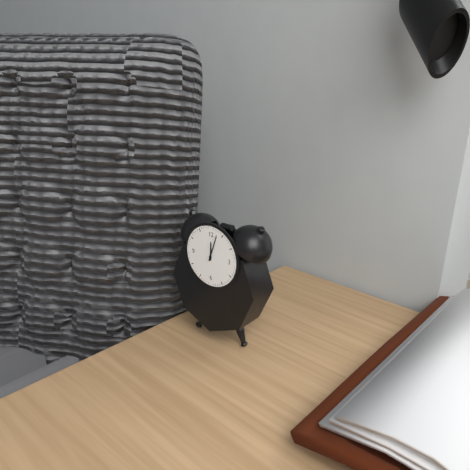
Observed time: 12:03
